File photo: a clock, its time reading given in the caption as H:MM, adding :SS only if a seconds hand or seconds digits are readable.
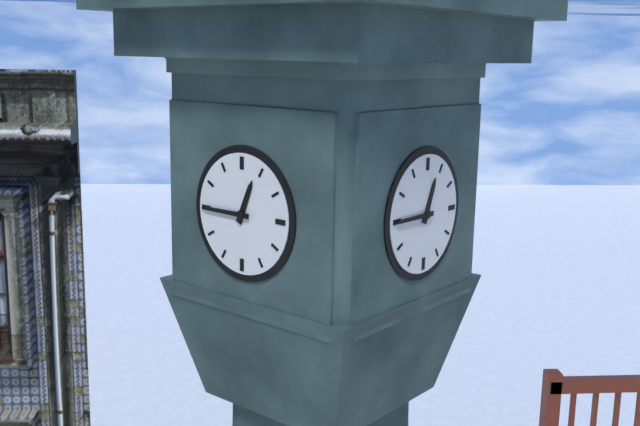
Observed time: 12:45
